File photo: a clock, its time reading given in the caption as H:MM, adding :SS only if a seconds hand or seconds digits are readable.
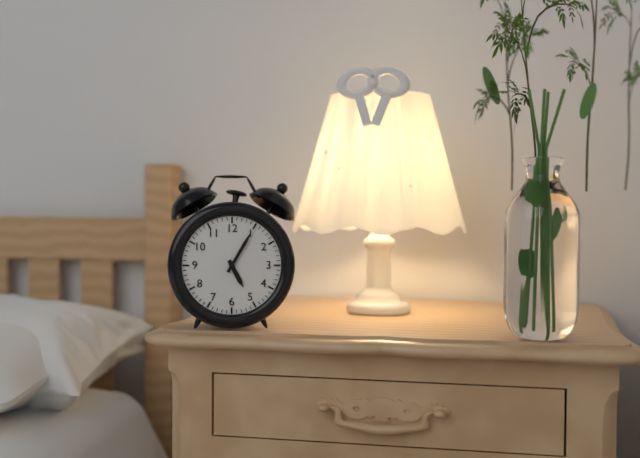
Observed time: 5:05
